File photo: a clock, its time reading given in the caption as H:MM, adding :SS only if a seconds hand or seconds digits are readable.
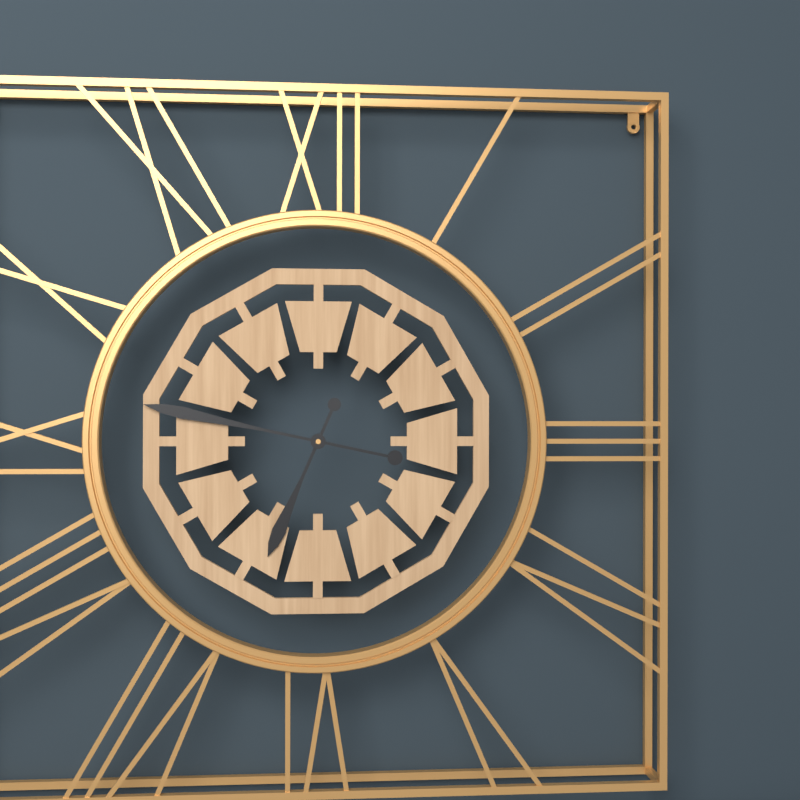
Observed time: 6:47
